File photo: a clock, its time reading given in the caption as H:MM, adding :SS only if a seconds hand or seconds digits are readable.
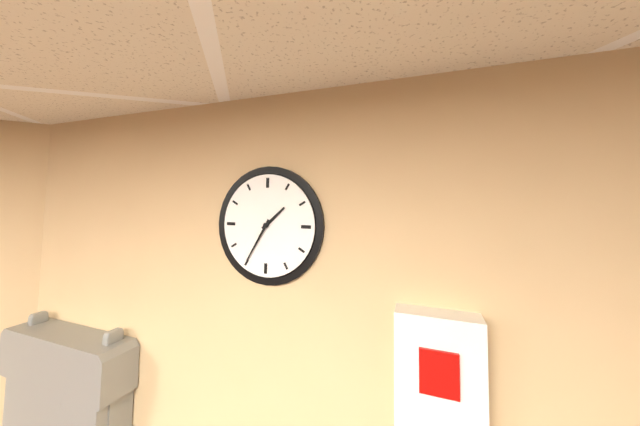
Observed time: 1:35
